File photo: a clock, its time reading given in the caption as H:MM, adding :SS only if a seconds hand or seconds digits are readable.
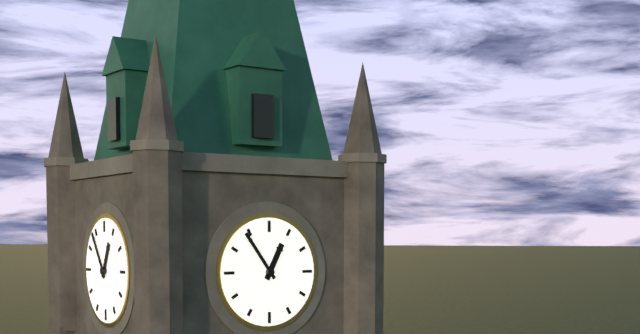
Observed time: 12:54
